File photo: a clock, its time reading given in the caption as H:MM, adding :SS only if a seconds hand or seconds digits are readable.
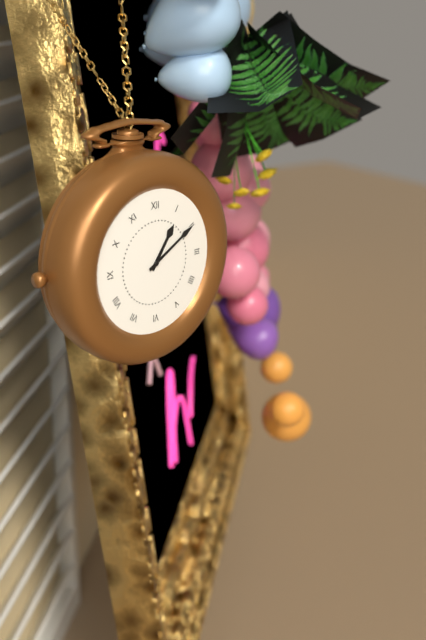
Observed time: 1:10
